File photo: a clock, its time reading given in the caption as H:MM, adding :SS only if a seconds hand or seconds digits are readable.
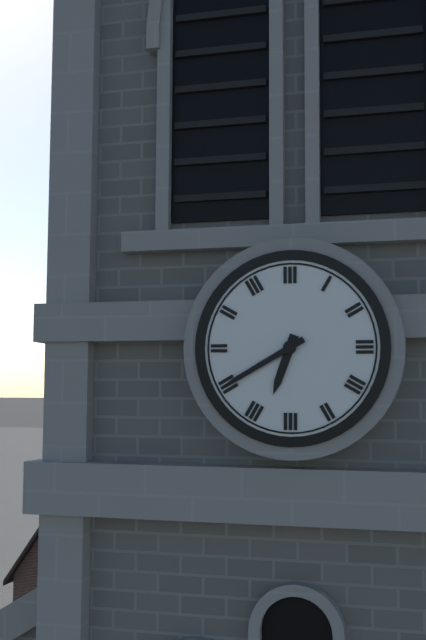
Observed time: 6:40
